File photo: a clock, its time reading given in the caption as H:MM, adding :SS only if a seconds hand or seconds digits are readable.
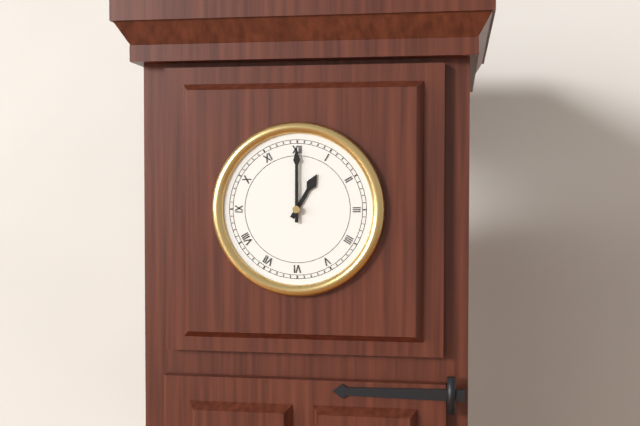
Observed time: 1:00
